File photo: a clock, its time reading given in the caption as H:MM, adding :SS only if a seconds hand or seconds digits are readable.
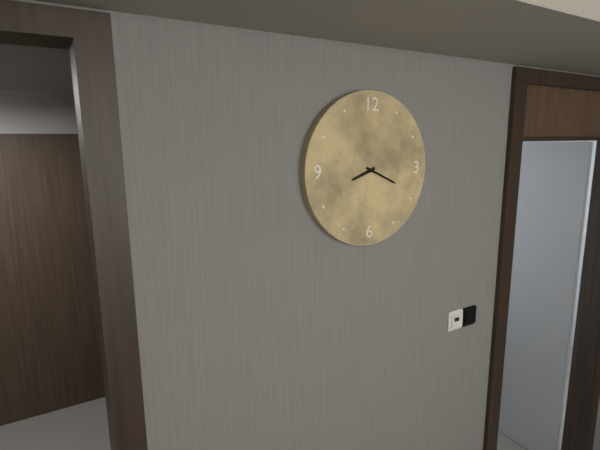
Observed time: 8:19
